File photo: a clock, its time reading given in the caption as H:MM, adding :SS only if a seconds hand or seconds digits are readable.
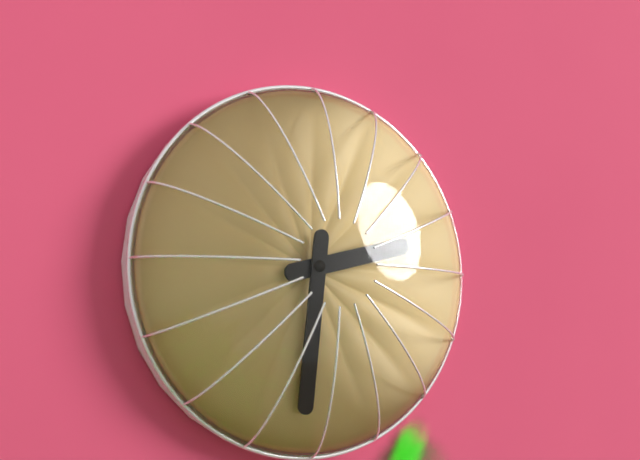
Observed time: 2:31
